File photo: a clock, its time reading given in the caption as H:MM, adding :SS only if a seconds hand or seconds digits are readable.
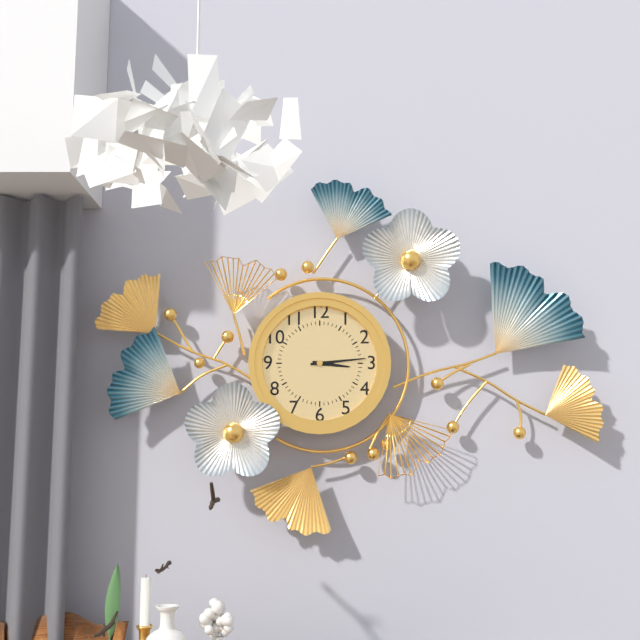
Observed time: 3:14
